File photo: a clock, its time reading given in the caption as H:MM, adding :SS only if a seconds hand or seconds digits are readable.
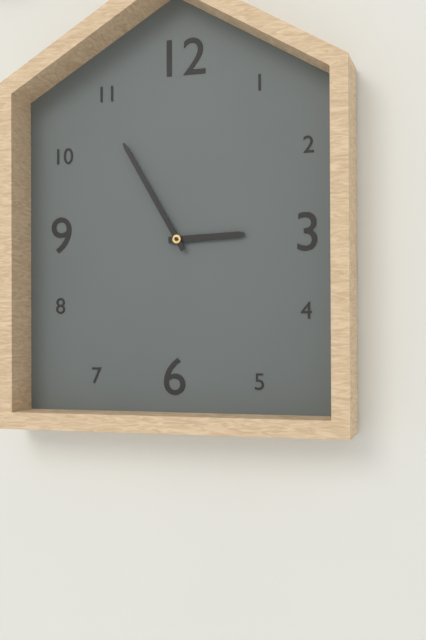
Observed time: 2:55
